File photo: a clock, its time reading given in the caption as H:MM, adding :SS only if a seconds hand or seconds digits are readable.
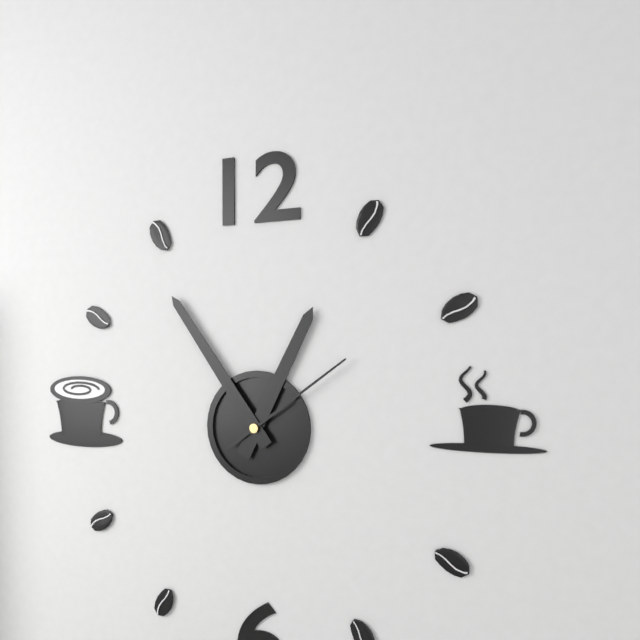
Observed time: 12:54:09
